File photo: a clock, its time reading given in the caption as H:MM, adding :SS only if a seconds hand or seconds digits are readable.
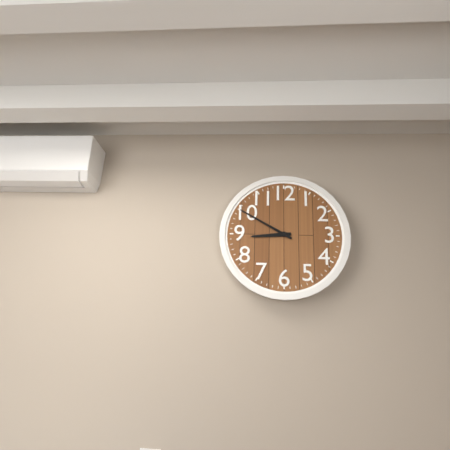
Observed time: 8:50
